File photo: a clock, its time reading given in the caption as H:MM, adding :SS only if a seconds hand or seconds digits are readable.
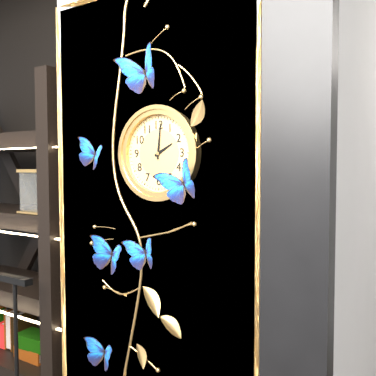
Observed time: 2:01
